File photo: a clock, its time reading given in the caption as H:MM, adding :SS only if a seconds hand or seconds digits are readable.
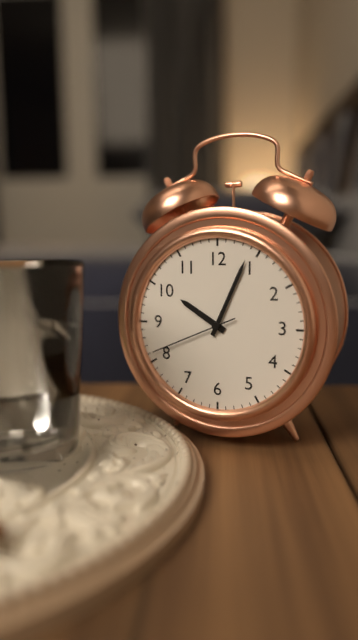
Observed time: 10:04:41
